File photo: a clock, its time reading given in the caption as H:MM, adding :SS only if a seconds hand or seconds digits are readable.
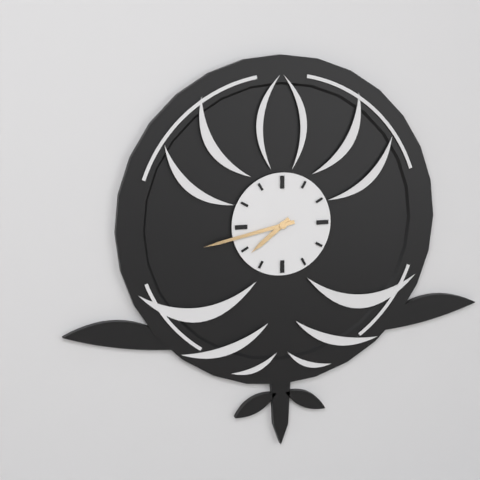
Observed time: 7:43
